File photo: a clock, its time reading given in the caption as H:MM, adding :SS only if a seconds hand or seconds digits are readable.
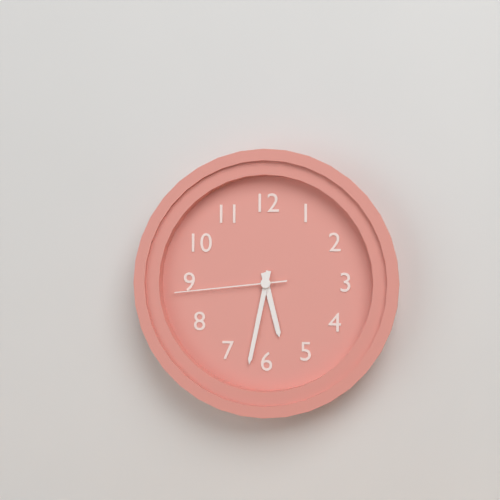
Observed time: 5:32:44
